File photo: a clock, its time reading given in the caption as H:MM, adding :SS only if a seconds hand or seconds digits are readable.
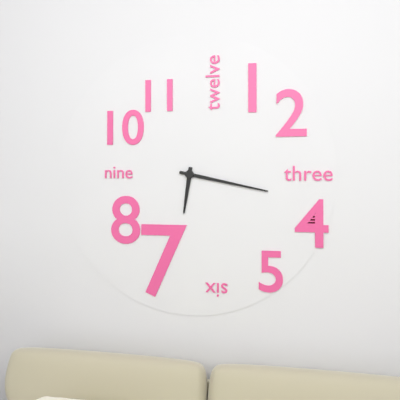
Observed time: 6:17
